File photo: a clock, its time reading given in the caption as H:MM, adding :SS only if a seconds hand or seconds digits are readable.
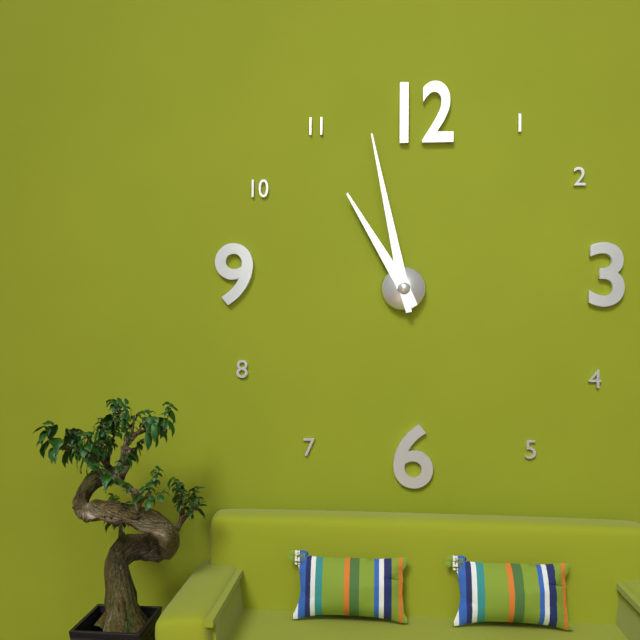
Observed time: 10:58
